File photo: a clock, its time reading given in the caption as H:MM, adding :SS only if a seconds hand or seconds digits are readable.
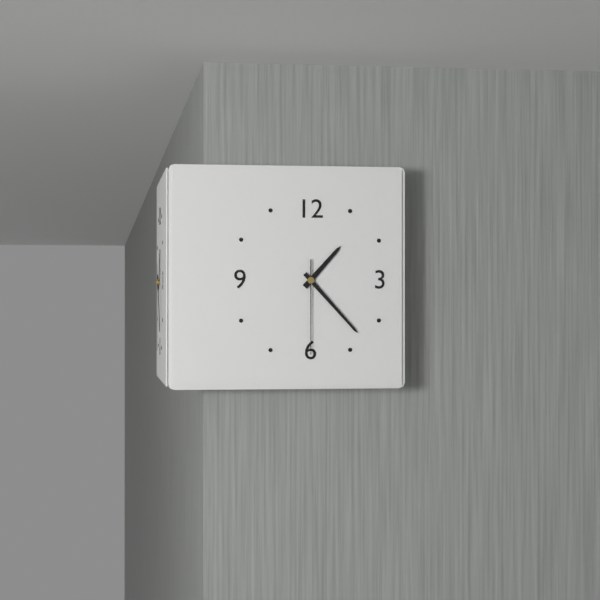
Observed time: 1:23:30
